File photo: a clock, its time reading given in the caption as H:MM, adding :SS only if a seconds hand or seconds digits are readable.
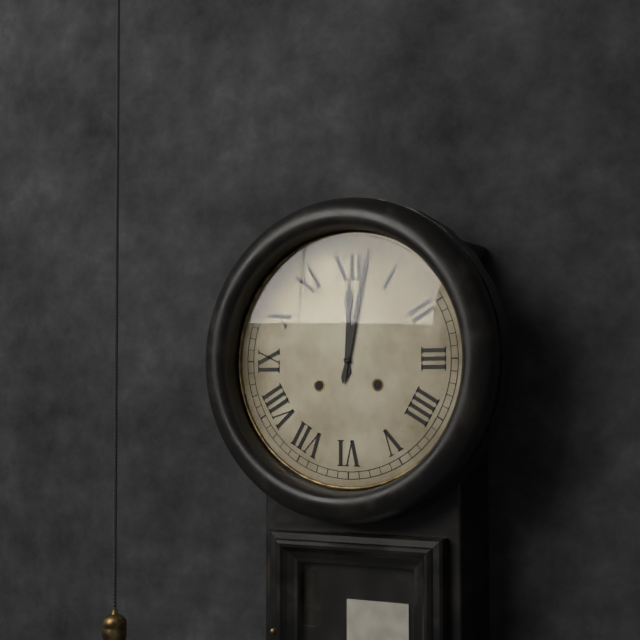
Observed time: 12:02
